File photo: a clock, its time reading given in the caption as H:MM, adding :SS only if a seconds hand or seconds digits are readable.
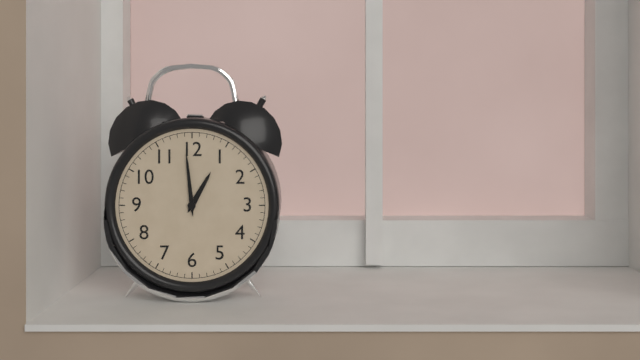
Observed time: 12:59
